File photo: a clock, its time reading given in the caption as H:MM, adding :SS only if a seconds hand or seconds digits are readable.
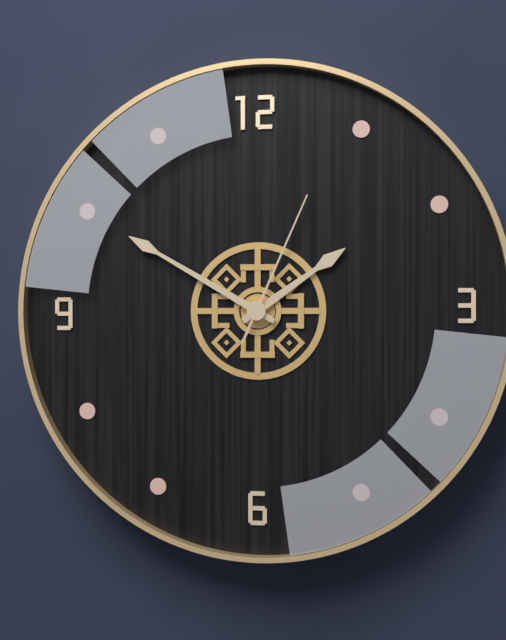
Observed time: 1:50:04
